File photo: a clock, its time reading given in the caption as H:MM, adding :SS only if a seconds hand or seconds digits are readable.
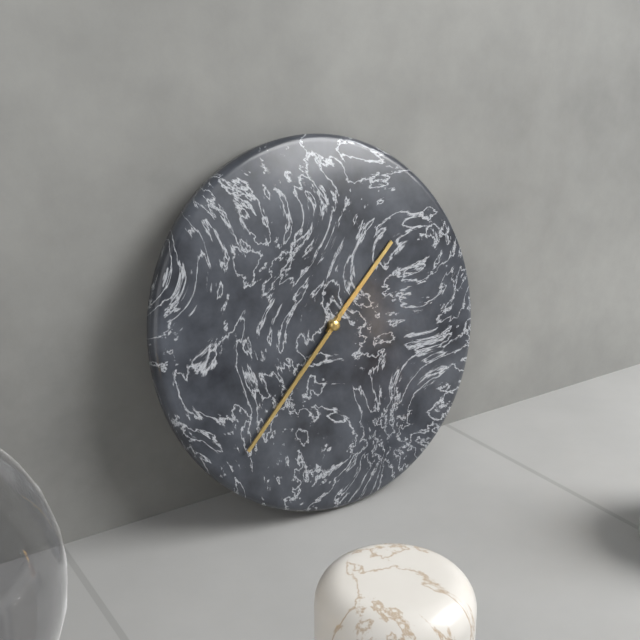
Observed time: 1:38
